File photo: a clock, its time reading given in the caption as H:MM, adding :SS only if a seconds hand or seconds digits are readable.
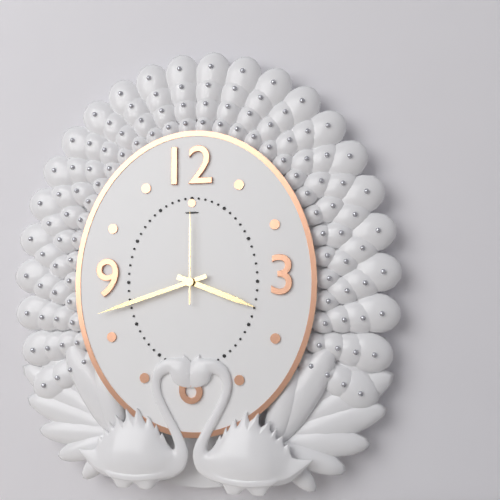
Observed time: 3:42:00
